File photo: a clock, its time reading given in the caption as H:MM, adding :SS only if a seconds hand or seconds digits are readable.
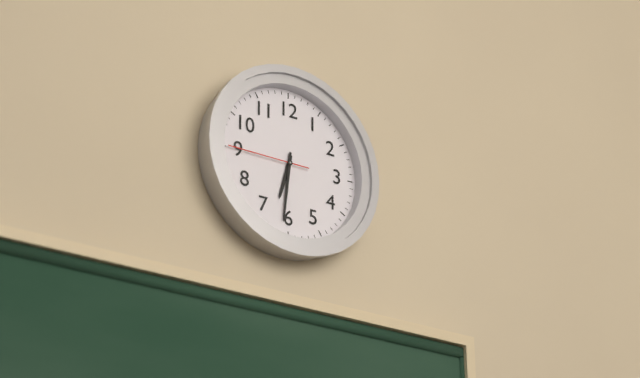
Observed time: 6:31:45
